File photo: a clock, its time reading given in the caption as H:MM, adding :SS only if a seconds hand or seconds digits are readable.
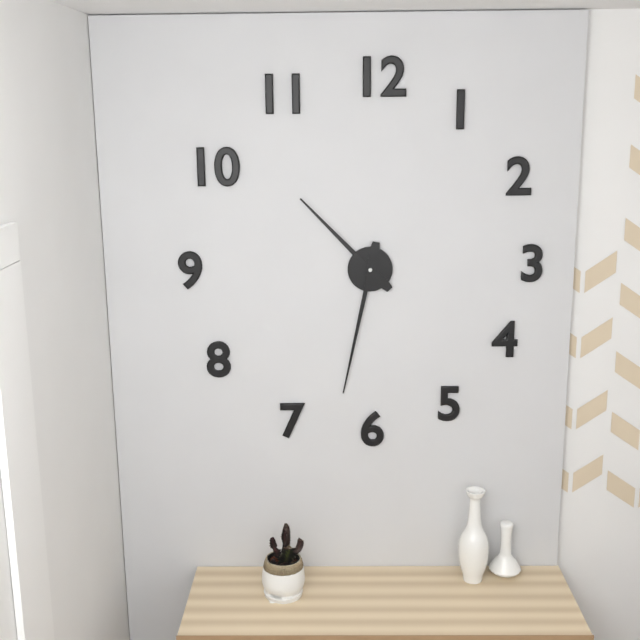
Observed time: 10:32
